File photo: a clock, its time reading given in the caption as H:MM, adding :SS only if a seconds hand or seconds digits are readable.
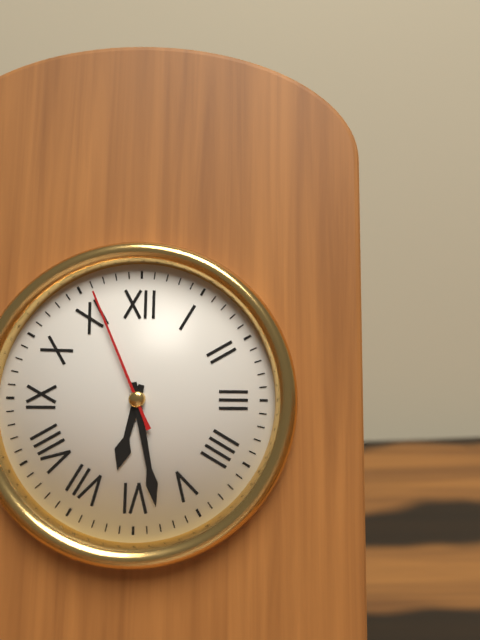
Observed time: 6:28:56
